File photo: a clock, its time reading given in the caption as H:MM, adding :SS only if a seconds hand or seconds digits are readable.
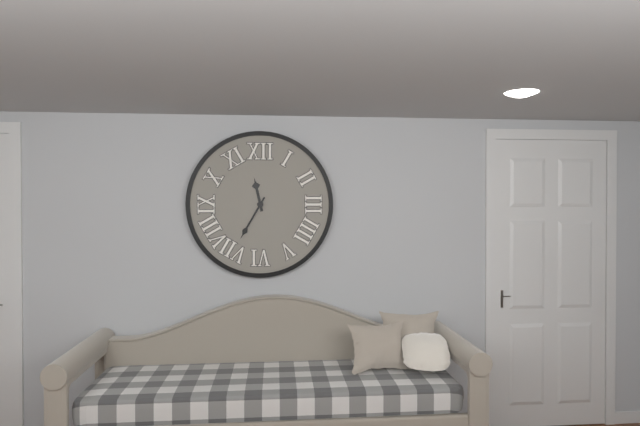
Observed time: 11:35
